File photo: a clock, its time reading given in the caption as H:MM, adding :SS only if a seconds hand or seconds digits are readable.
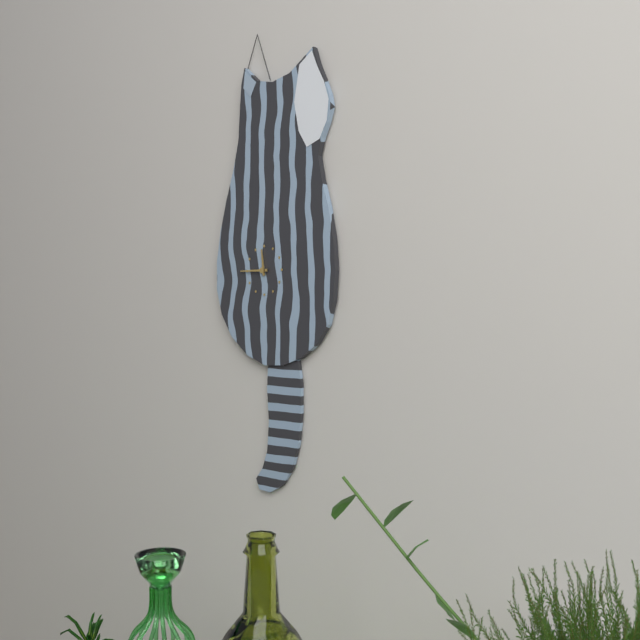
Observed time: 11:45
